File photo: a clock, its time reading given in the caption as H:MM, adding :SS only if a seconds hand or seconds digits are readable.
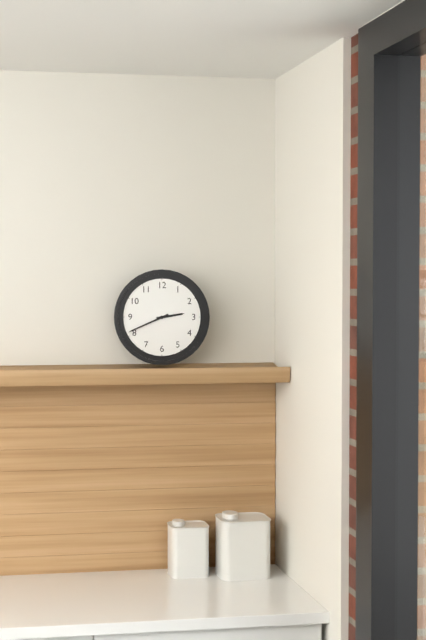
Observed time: 2:41
